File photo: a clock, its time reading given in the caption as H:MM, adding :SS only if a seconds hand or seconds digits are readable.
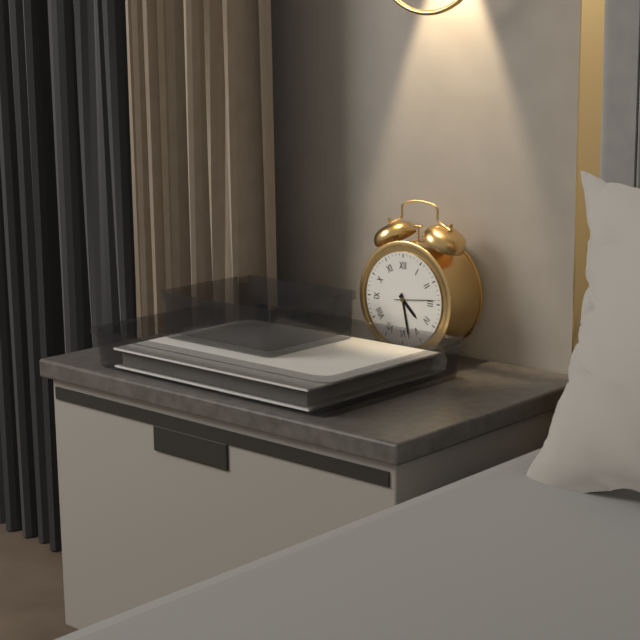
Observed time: 4:28
